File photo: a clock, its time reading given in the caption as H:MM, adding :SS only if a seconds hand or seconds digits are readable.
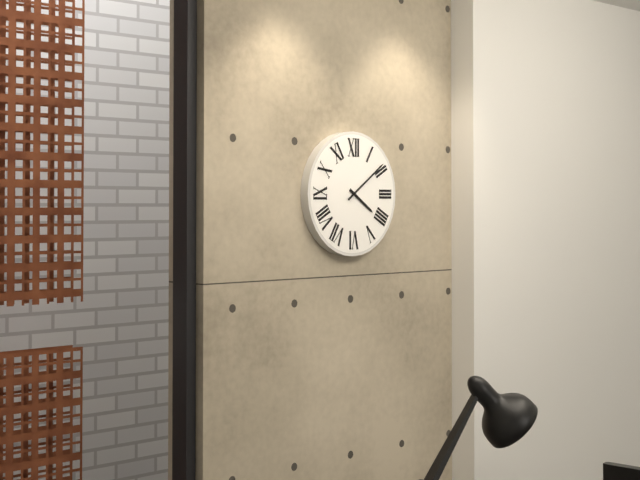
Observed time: 4:09
